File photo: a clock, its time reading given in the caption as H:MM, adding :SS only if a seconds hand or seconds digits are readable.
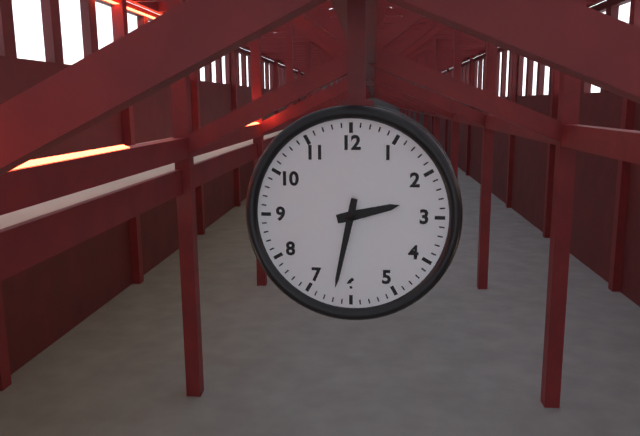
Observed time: 2:32
